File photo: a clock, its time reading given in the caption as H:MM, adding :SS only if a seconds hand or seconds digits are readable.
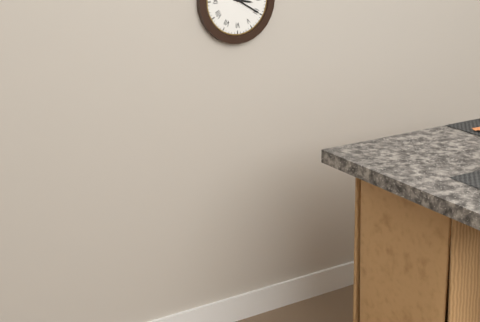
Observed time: 3:20
